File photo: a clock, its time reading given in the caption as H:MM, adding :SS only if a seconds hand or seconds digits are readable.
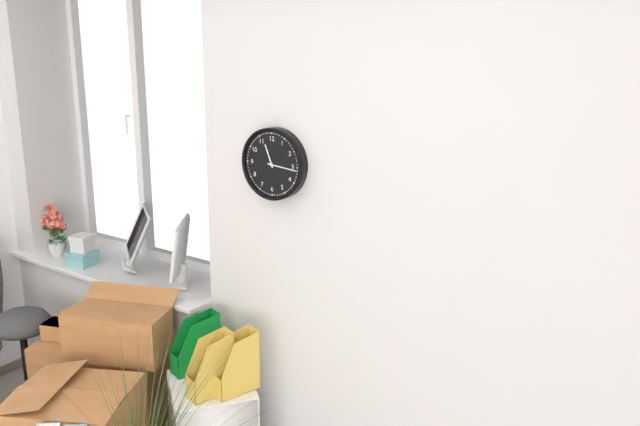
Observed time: 11:16
